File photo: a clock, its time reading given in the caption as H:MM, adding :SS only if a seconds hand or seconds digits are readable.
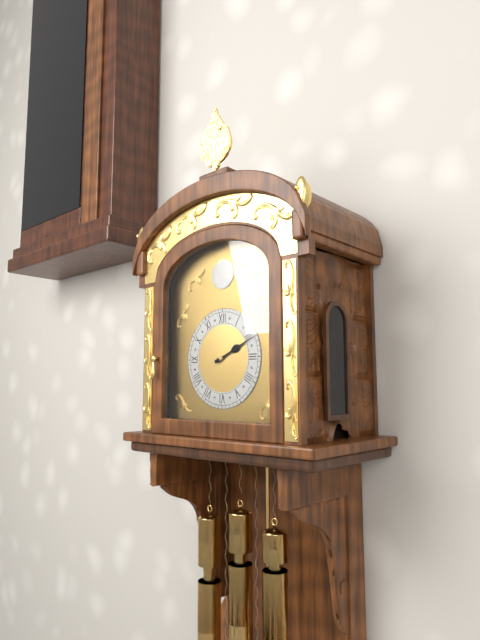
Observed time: 2:11
